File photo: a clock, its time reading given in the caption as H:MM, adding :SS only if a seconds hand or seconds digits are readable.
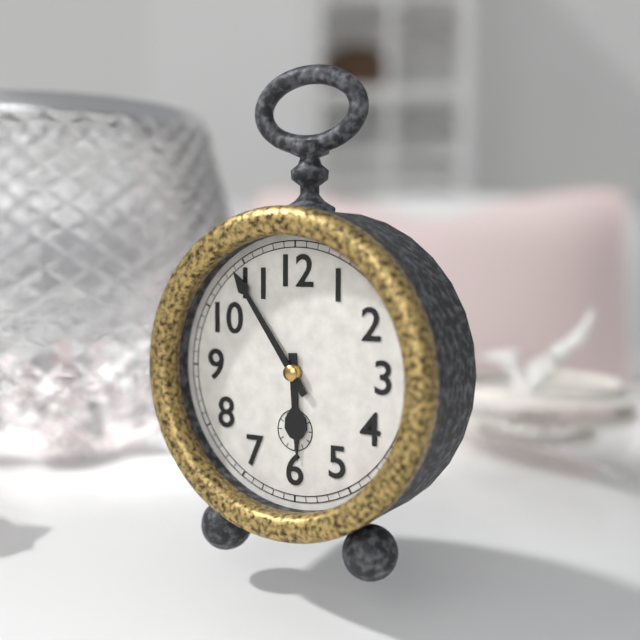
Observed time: 5:54
